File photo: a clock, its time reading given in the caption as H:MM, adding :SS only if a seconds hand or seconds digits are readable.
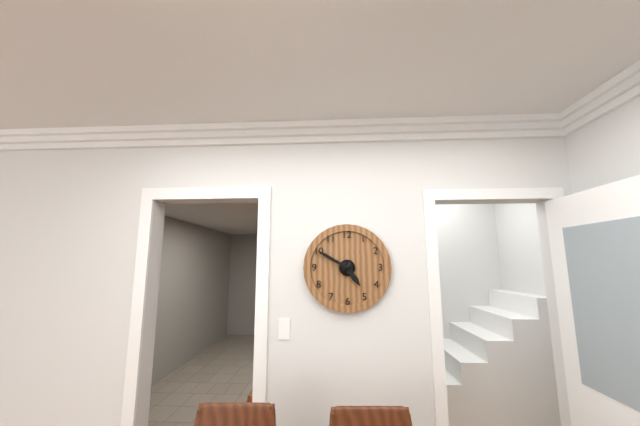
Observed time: 4:50
